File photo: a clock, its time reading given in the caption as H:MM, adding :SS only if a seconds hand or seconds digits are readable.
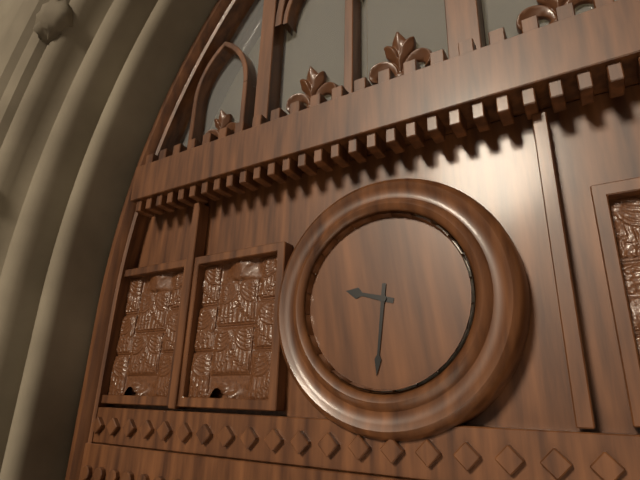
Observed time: 9:31
